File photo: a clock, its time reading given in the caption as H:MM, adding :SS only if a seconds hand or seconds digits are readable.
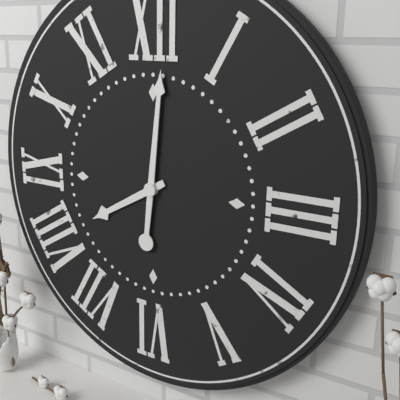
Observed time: 8:01
